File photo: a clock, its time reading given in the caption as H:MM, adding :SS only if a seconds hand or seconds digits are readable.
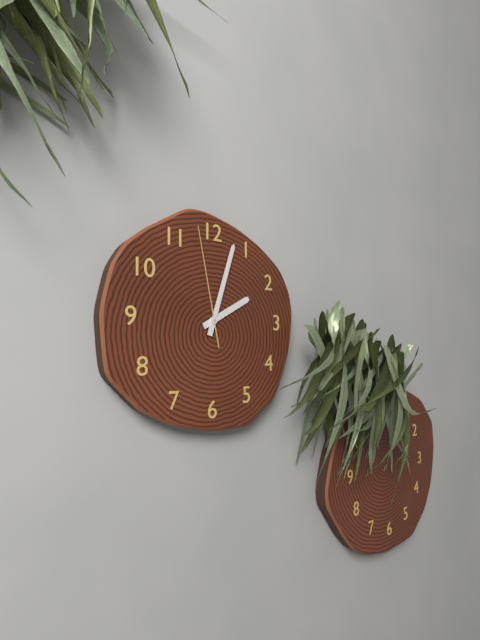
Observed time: 2:03:58
